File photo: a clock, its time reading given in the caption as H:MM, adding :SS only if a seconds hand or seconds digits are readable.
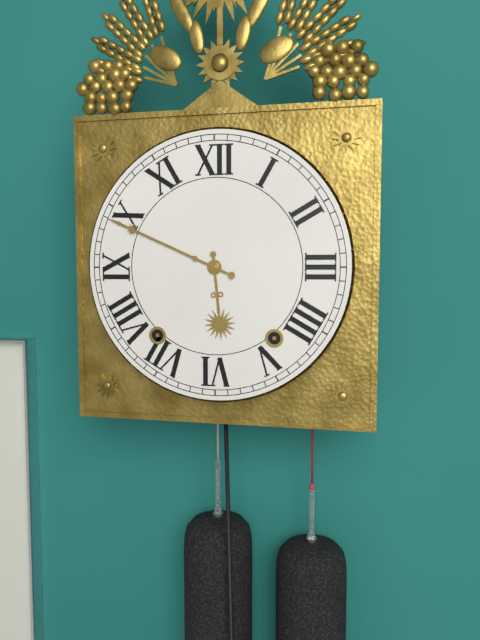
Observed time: 5:49
